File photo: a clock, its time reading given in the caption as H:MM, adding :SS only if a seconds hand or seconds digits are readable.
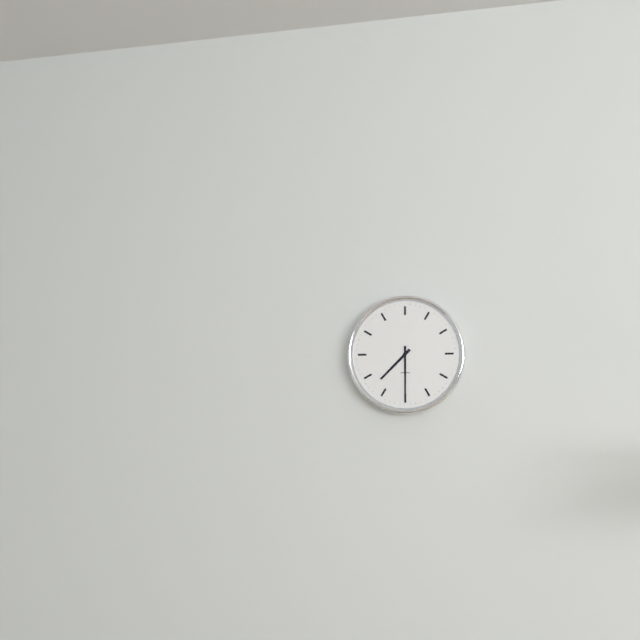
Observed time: 7:30
